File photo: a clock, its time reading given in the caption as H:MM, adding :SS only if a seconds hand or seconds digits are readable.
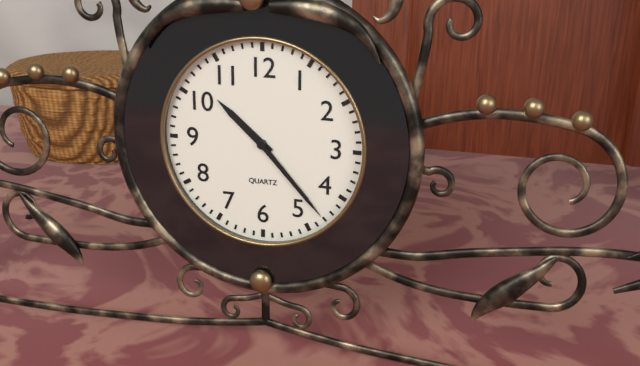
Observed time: 10:23
